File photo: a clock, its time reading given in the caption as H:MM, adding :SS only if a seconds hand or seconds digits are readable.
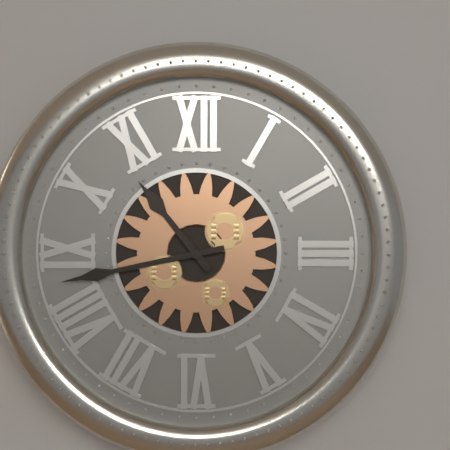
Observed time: 10:43
